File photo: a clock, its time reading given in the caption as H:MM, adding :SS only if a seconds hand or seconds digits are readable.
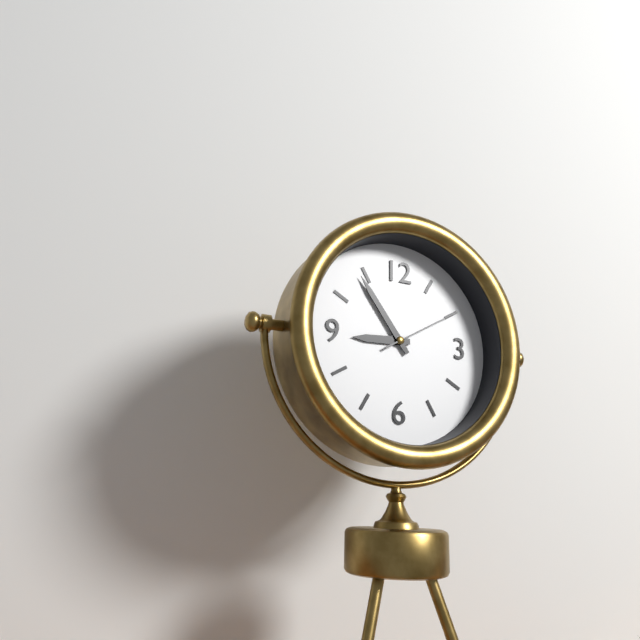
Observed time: 8:54:10
